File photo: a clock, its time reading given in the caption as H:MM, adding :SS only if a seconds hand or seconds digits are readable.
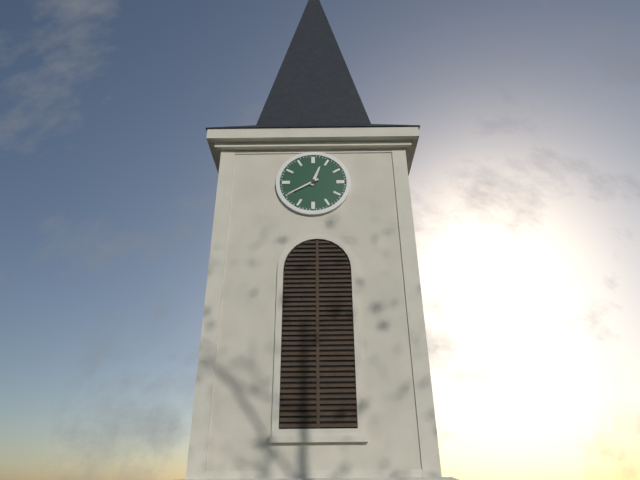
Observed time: 12:40
